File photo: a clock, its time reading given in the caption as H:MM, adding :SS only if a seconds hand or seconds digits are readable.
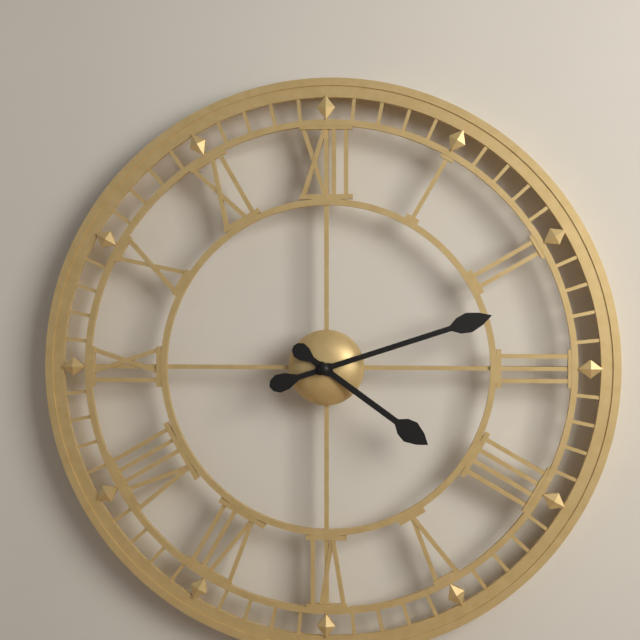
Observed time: 4:12
